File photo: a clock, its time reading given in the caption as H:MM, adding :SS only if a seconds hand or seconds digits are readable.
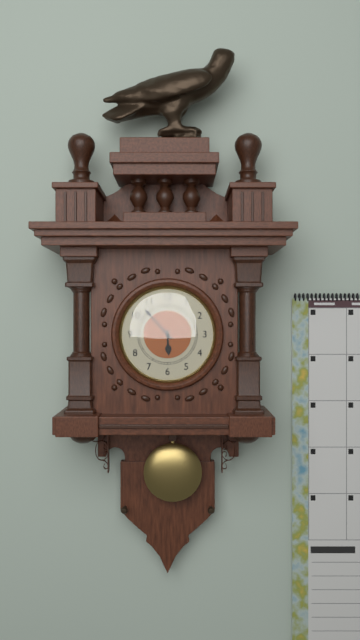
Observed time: 5:53
